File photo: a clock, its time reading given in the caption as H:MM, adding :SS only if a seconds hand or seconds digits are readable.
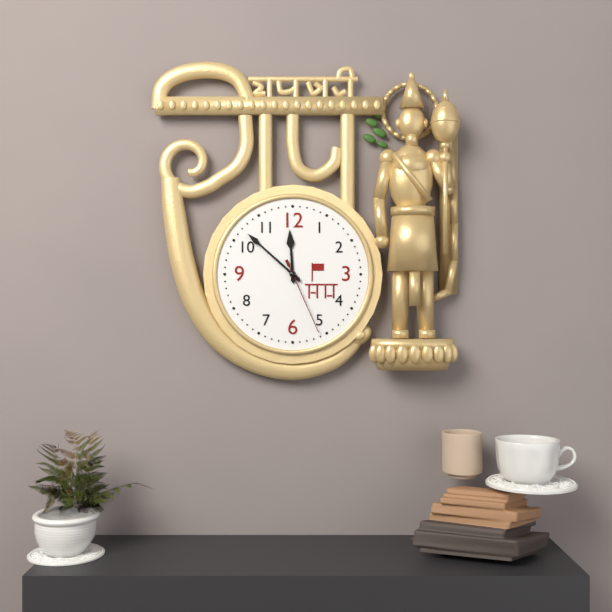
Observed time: 11:52:26
